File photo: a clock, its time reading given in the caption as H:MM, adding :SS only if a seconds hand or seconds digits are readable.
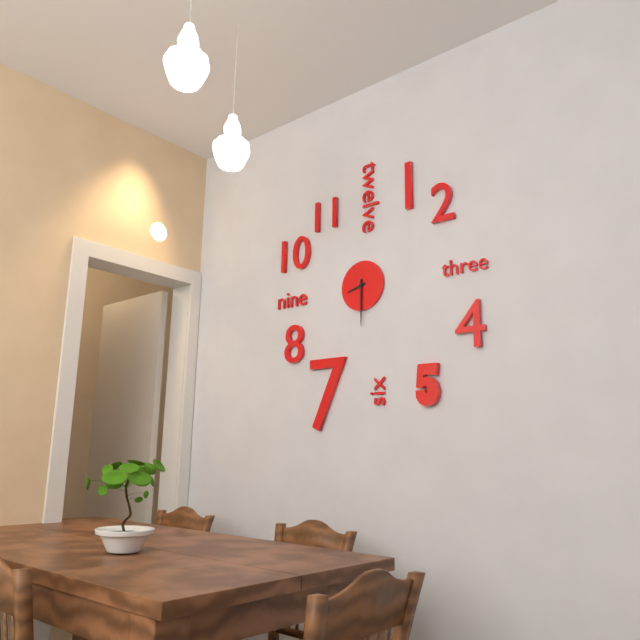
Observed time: 8:30
